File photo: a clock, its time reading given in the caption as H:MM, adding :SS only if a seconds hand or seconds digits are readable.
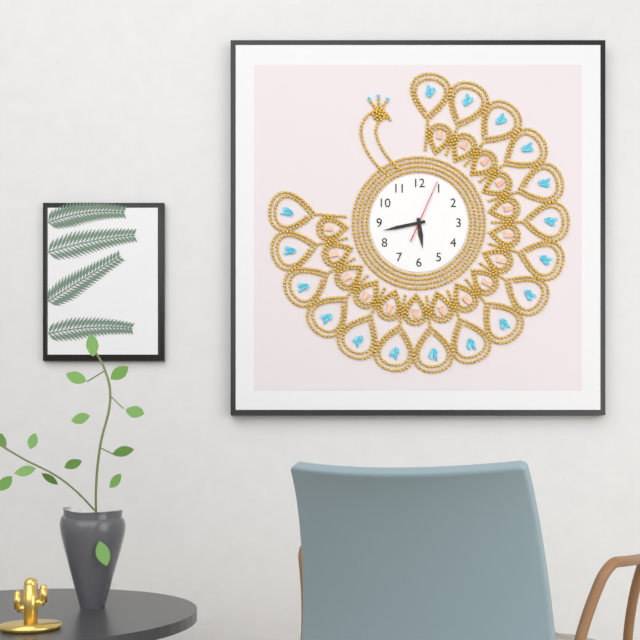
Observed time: 5:43:04
